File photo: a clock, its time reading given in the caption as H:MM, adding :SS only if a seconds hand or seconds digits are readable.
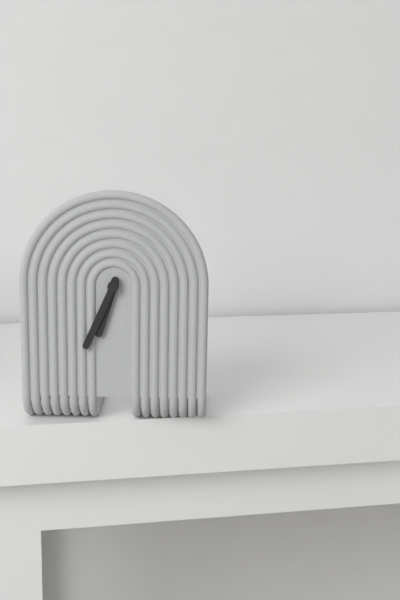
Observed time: 6:34
